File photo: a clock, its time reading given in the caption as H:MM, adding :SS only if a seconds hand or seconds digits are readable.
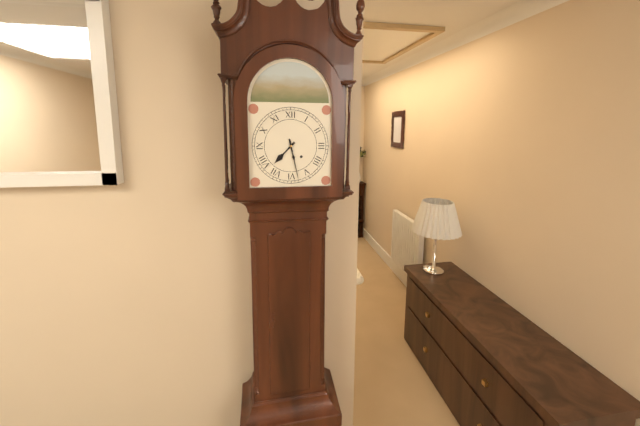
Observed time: 7:28
